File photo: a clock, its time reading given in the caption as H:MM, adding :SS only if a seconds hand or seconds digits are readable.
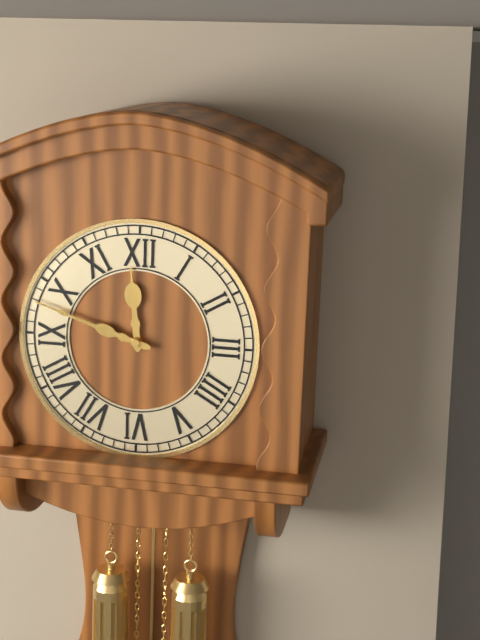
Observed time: 11:48
